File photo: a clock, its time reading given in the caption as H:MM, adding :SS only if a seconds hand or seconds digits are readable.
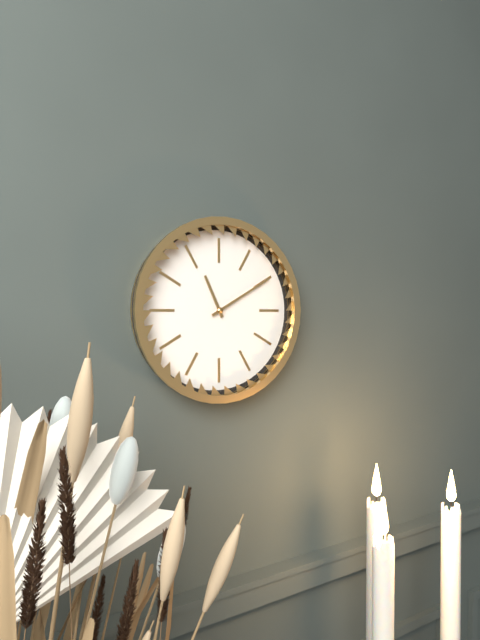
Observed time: 11:10
